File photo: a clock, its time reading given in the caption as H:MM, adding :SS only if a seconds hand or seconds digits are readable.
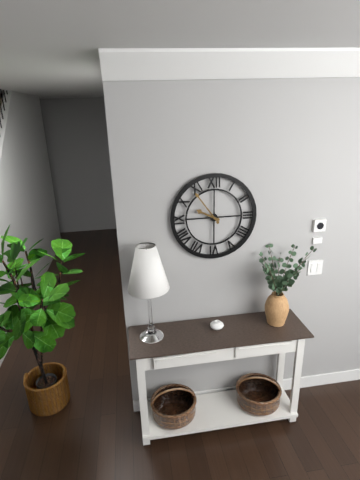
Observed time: 9:54
